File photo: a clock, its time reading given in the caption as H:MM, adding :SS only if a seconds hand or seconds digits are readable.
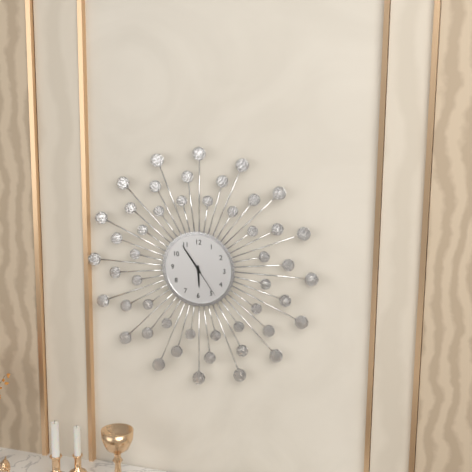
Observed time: 5:54
